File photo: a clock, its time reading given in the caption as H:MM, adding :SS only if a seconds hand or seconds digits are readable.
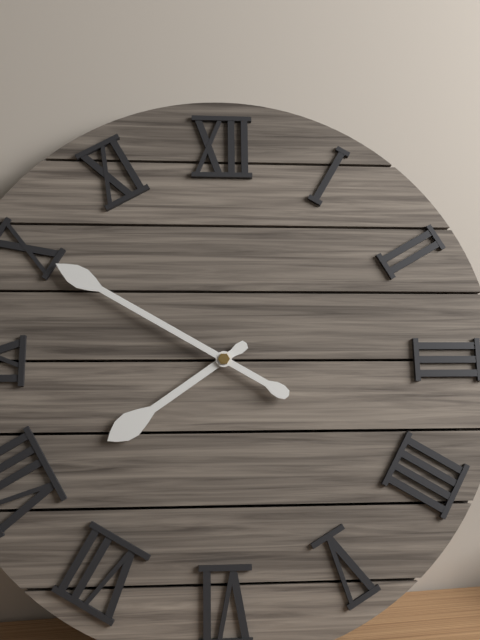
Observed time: 7:50
